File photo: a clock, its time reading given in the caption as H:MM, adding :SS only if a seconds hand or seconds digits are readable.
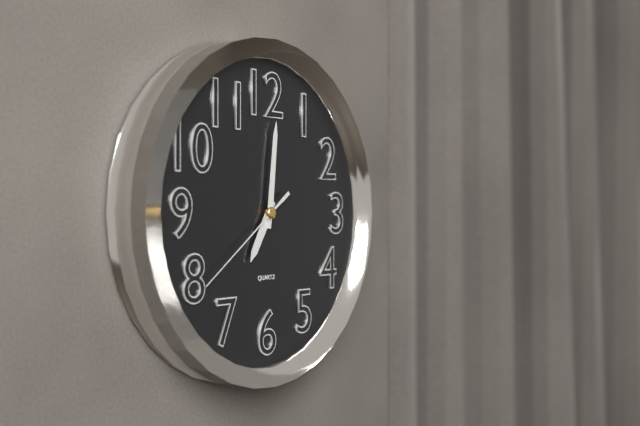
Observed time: 7:01:39
